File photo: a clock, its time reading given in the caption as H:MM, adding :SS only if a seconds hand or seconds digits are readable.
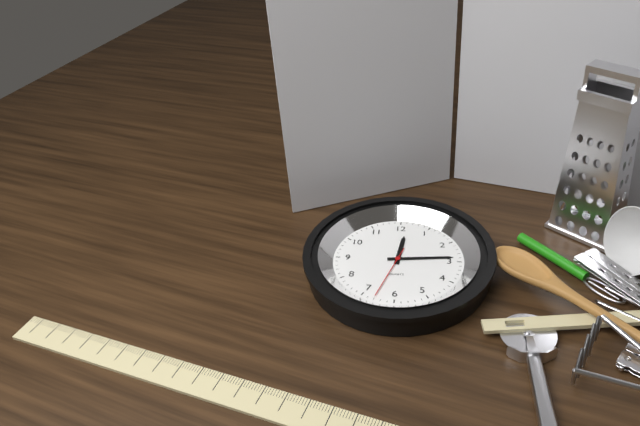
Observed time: 12:14:33
